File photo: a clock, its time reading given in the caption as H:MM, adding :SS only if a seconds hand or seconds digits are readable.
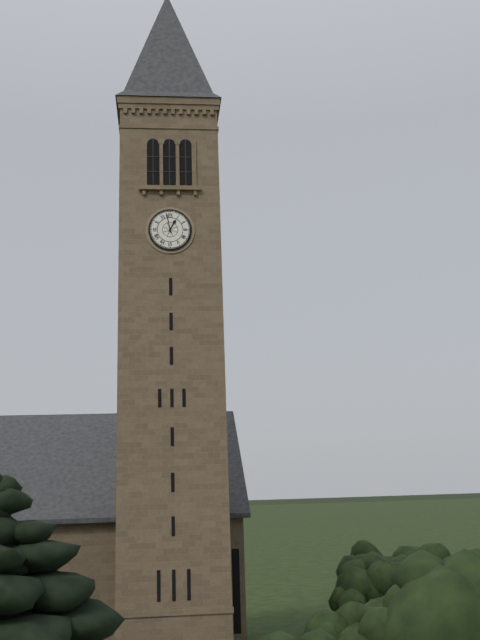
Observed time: 12:58
